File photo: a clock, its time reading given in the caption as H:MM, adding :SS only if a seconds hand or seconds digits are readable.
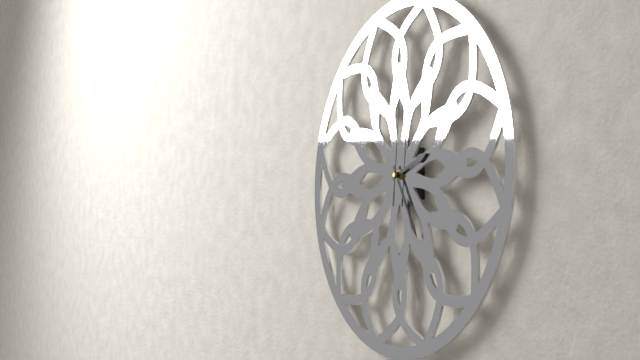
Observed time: 2:25:01
